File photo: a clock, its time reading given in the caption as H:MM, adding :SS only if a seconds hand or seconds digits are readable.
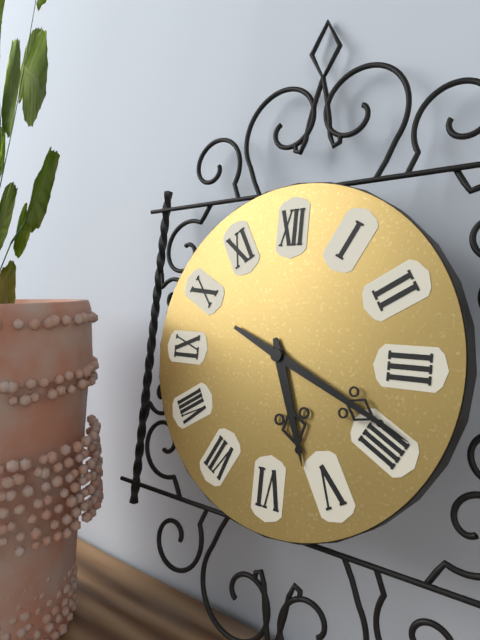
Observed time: 5:19
